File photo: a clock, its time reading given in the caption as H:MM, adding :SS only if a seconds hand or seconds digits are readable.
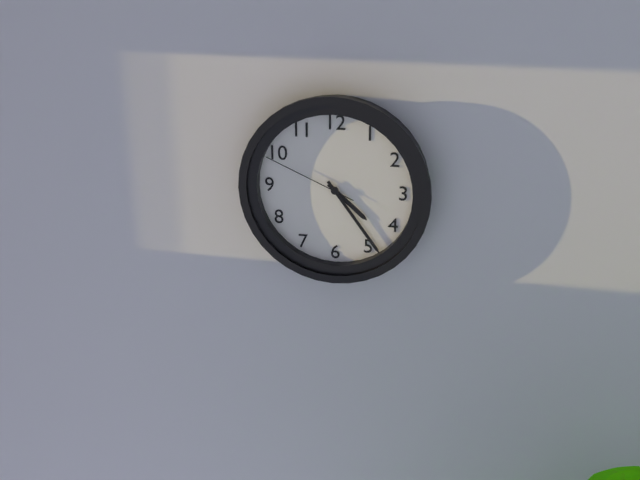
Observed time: 4:24:49
